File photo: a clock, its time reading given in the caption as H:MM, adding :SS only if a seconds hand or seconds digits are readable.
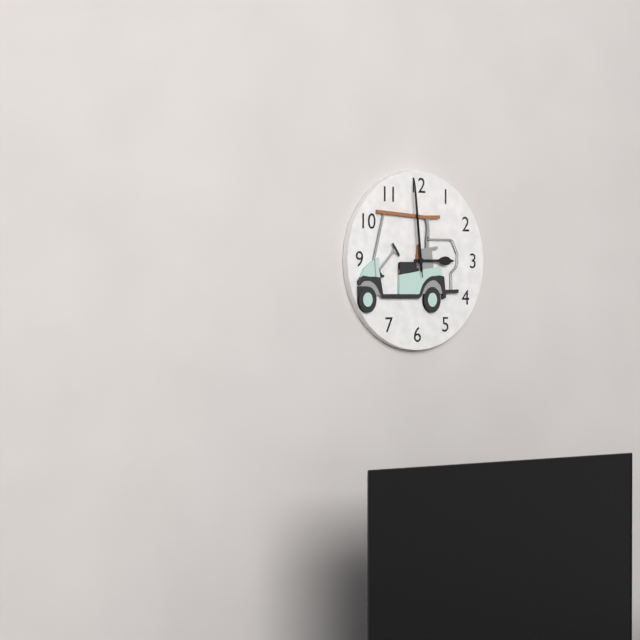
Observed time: 2:59:59
